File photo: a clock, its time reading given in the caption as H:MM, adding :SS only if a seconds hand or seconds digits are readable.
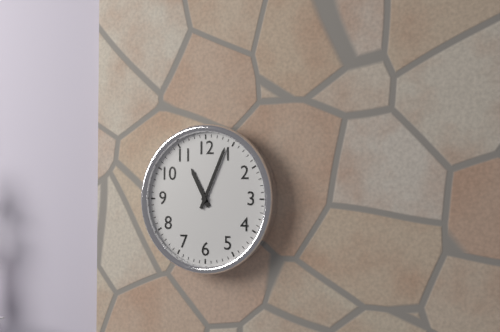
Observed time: 11:04
